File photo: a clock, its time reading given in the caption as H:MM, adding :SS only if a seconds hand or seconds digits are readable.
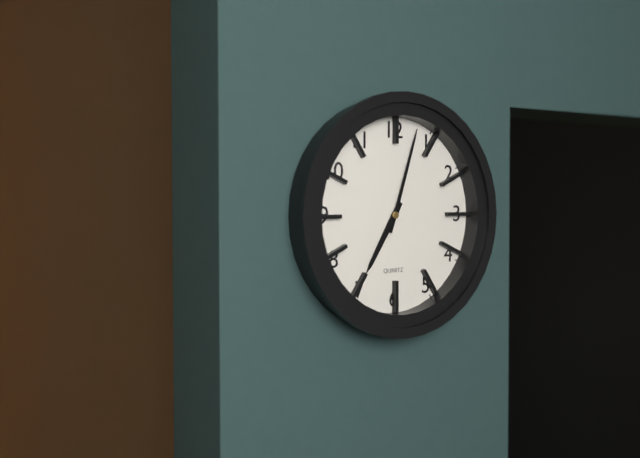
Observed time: 7:03
